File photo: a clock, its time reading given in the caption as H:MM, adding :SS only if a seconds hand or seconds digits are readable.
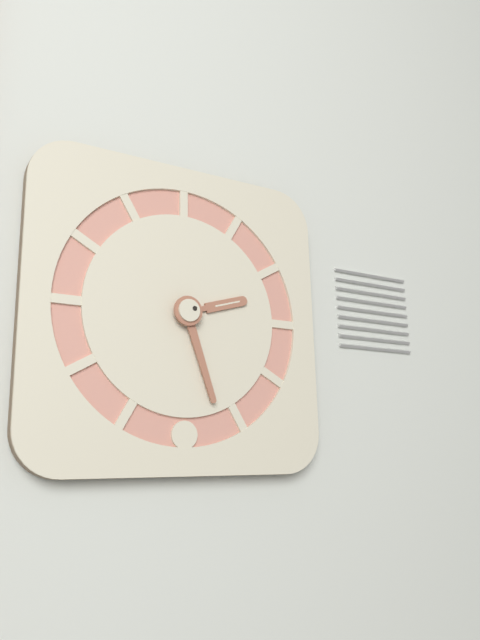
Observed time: 2:27
